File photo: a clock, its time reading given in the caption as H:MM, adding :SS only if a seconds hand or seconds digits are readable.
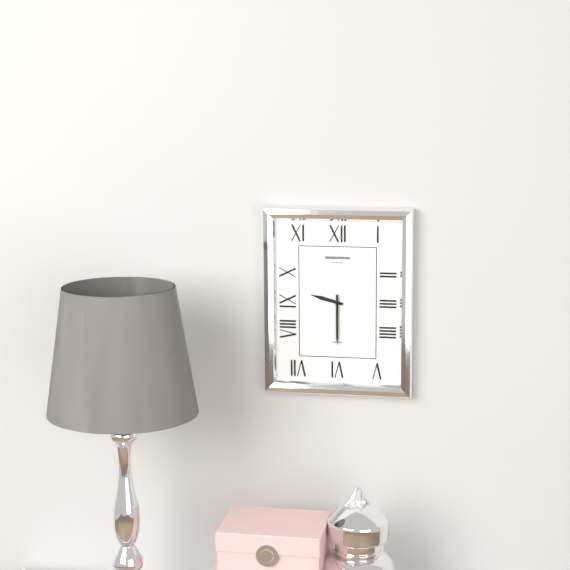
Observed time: 9:30
